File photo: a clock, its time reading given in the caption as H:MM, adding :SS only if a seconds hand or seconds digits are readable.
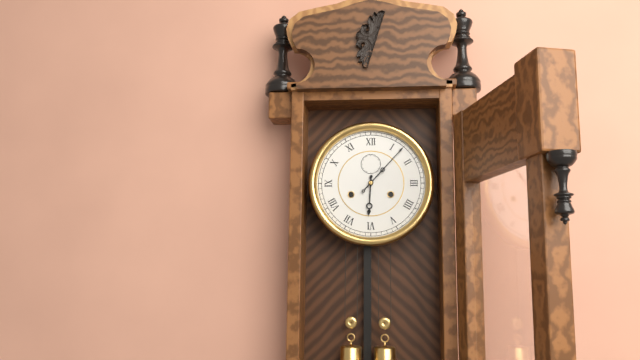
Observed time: 6:07
